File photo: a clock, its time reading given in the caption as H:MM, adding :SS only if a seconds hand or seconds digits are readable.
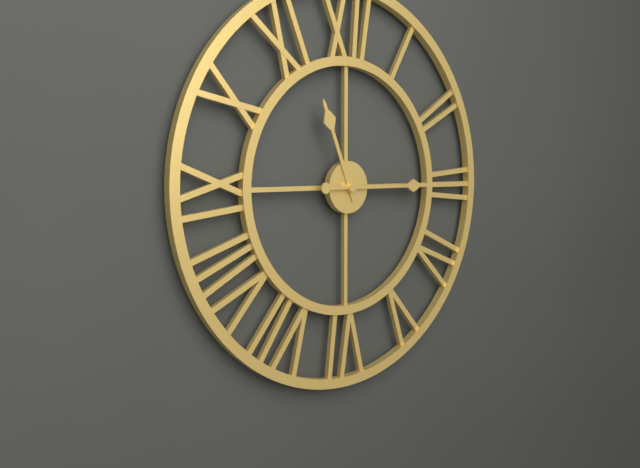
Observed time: 11:15
